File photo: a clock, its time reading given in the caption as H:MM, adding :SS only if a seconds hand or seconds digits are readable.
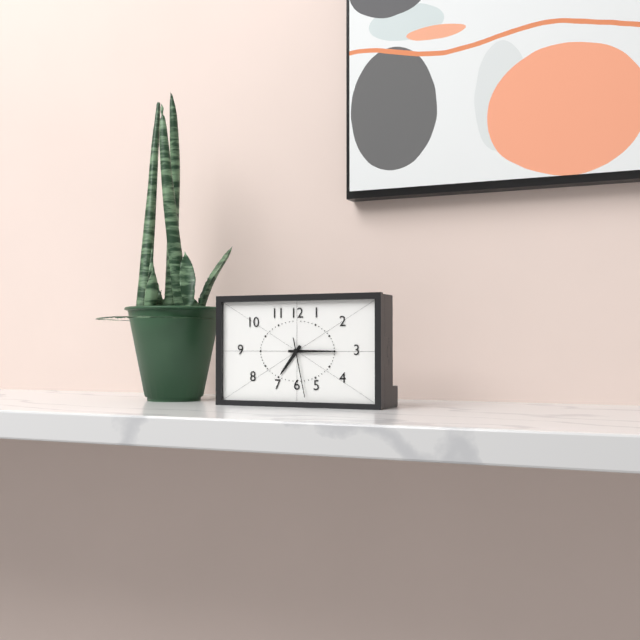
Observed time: 7:15:28
